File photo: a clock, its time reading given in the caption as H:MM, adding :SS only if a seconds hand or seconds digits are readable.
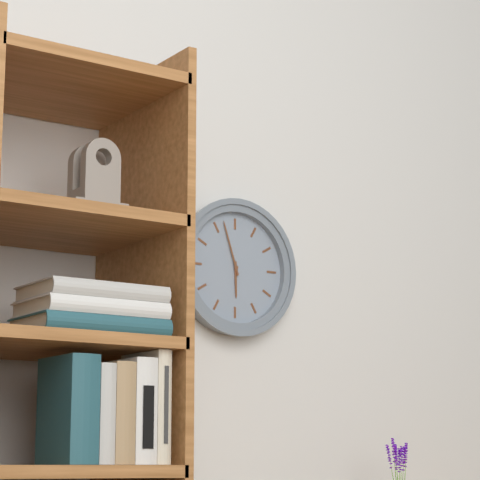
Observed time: 5:57
